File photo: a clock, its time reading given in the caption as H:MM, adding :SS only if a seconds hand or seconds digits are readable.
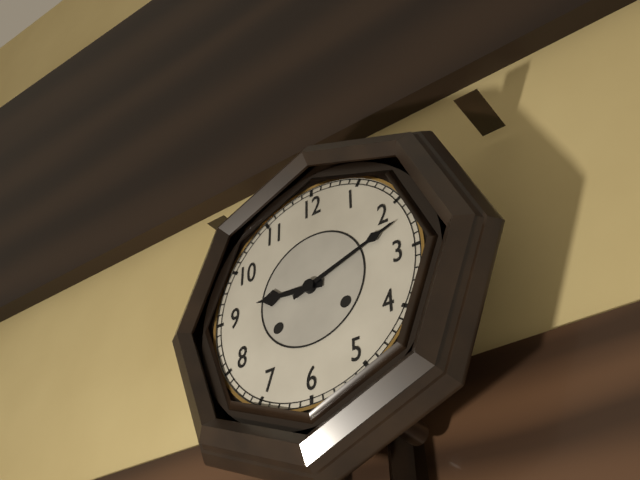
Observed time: 9:12
